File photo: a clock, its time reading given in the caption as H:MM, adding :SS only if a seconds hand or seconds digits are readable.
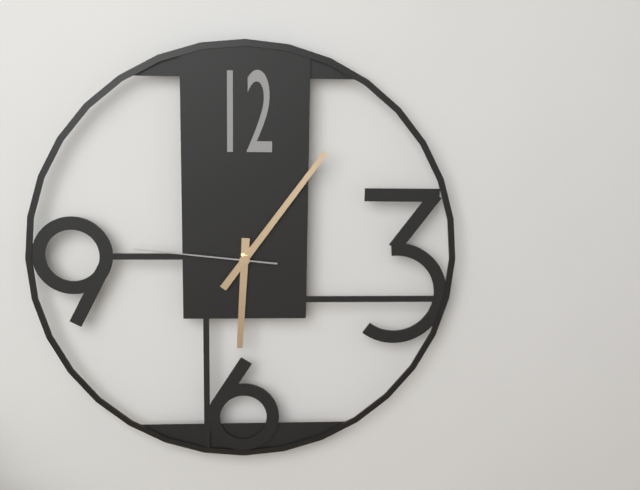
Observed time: 6:06:46
